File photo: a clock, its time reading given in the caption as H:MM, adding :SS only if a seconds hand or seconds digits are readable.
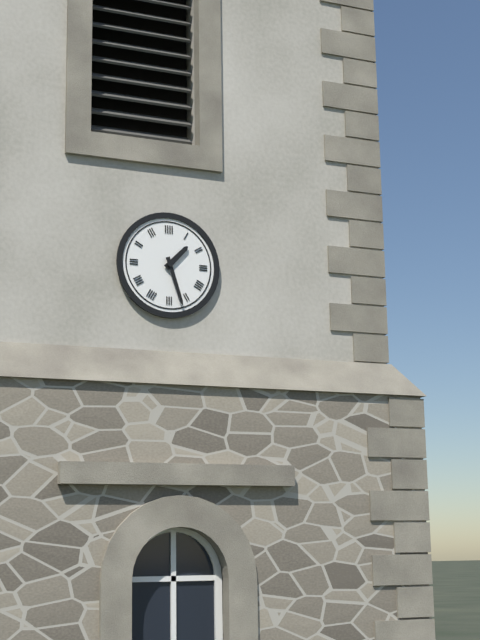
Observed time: 1:27
